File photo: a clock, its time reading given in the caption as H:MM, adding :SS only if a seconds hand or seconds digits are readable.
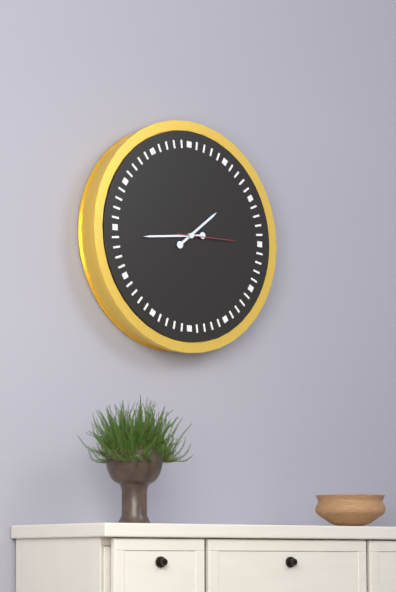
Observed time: 1:44:15
